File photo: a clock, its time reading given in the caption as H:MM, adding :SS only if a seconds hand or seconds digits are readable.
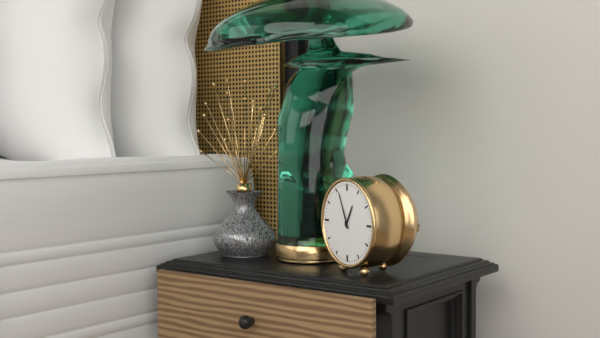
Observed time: 12:56
